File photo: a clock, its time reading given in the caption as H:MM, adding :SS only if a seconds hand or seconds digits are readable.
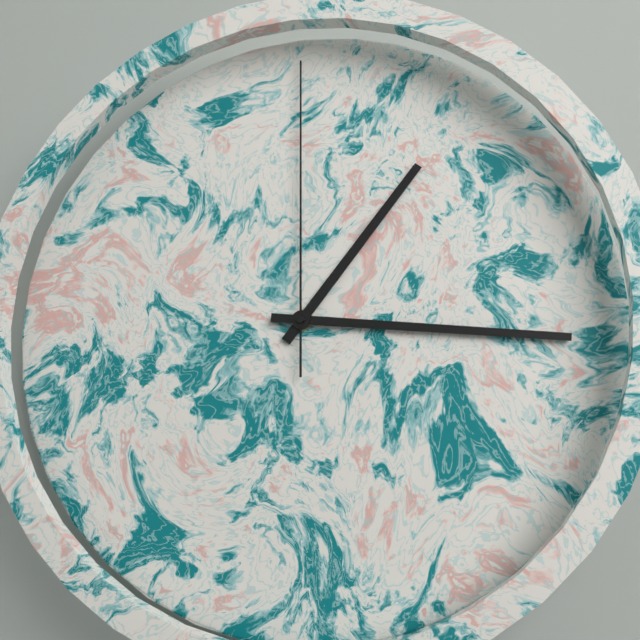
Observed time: 1:16:00
